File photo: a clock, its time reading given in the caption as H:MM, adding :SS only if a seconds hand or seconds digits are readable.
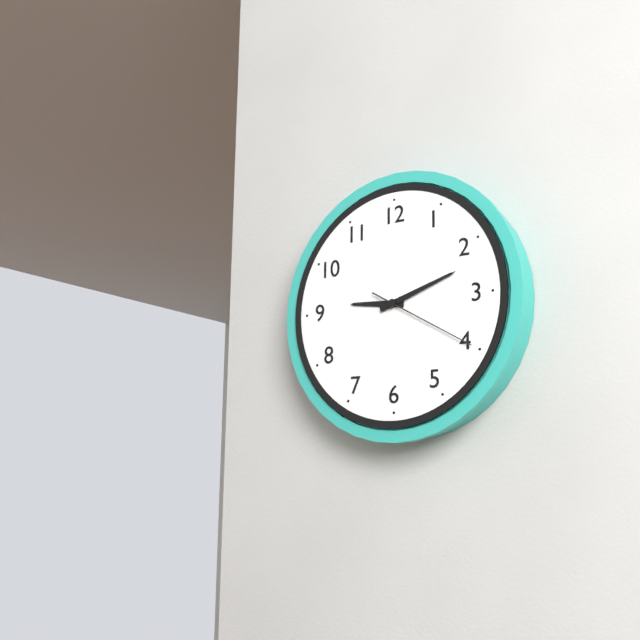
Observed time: 9:12:20
